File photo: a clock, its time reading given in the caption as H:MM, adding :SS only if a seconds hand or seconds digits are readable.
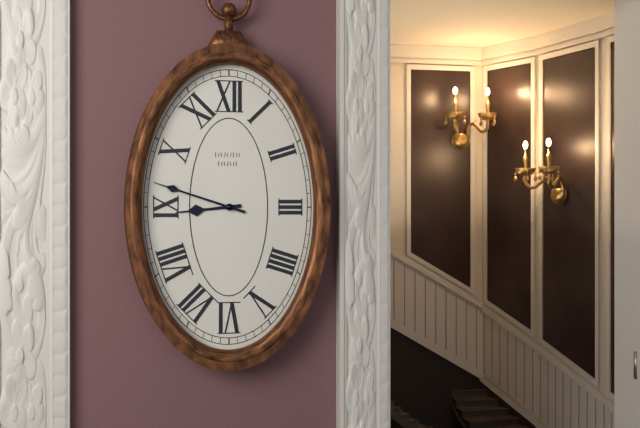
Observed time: 8:48
